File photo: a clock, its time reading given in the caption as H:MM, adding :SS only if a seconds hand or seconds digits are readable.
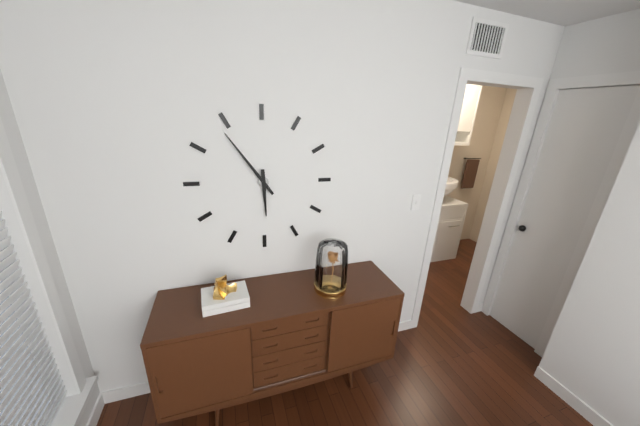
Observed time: 5:54
